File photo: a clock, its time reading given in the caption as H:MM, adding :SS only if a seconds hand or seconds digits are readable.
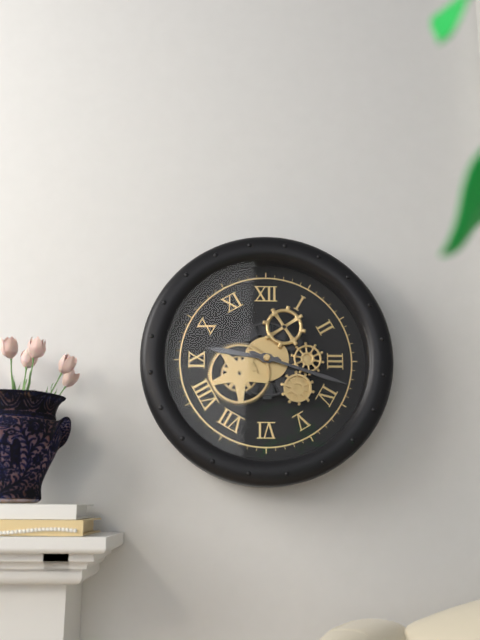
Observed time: 9:18
